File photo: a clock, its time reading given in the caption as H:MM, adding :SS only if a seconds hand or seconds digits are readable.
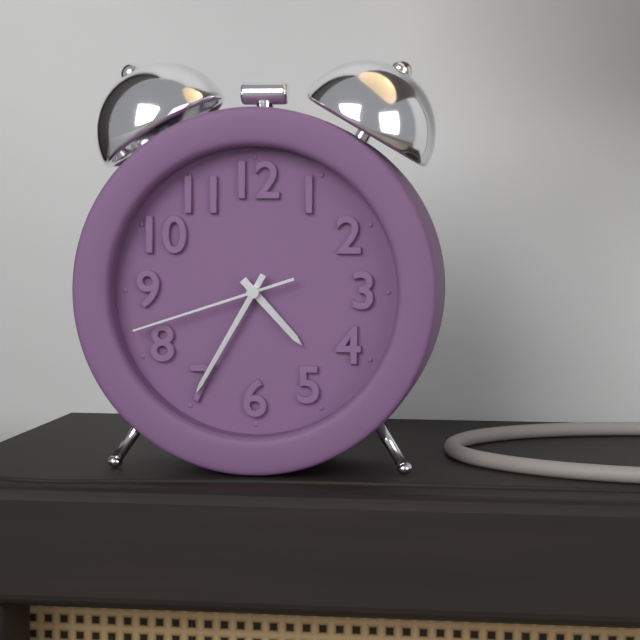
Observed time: 4:35:42
